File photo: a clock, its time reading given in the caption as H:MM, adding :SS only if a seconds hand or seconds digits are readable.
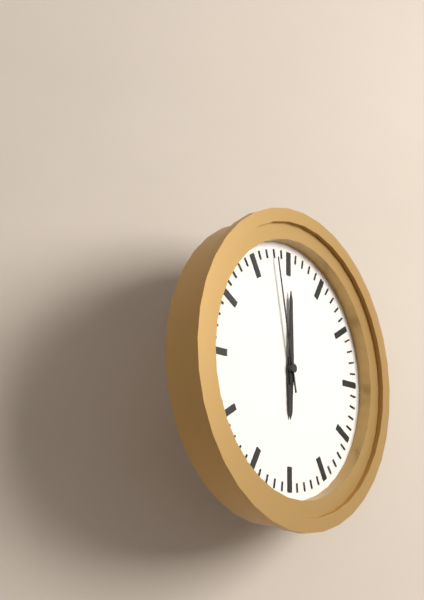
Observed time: 6:00:58
